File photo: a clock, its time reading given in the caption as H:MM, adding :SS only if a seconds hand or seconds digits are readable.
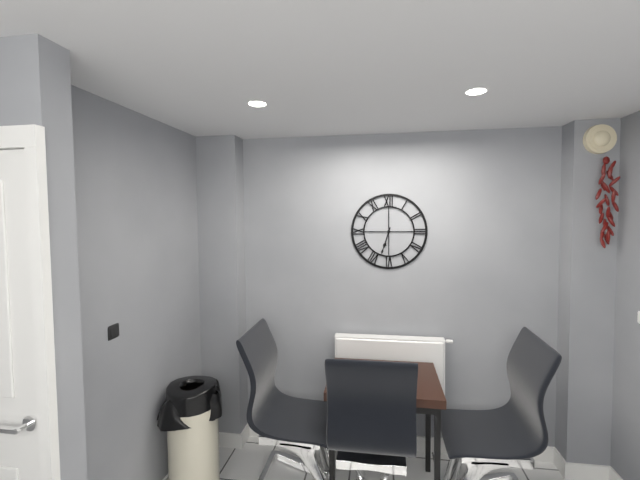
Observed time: 6:33
